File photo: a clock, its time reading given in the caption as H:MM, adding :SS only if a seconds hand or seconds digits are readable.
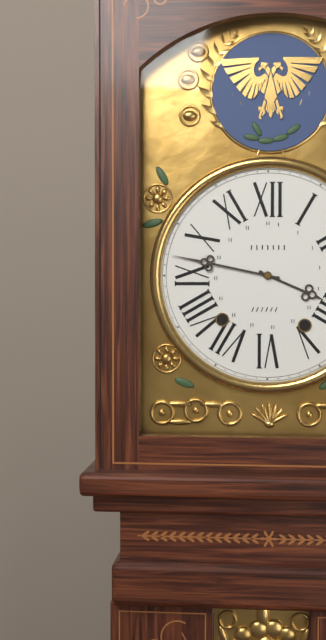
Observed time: 3:47
